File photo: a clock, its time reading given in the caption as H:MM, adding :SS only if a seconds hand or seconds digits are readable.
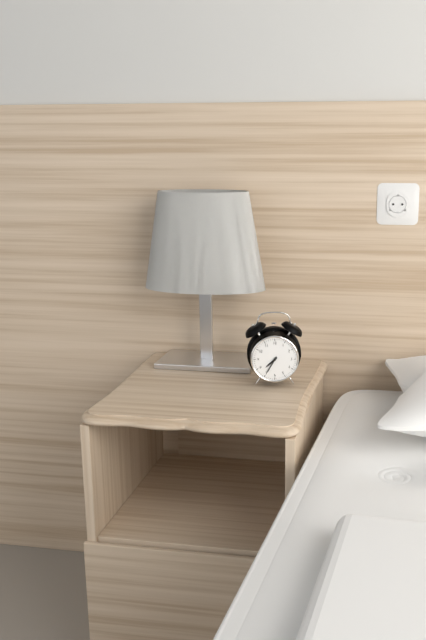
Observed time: 7:35
